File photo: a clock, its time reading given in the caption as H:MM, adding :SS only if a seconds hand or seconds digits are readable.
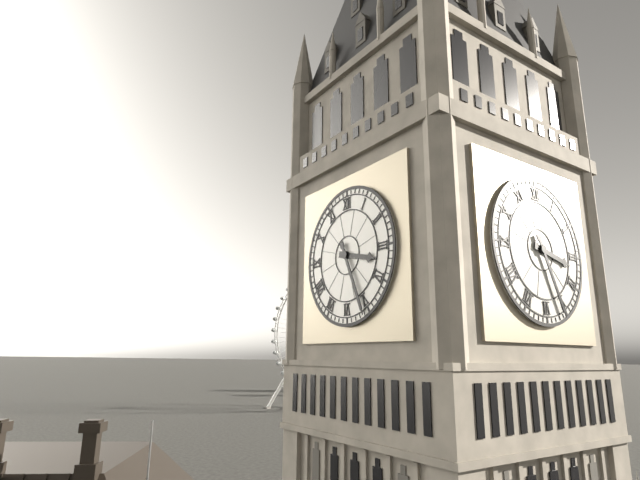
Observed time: 3:26
